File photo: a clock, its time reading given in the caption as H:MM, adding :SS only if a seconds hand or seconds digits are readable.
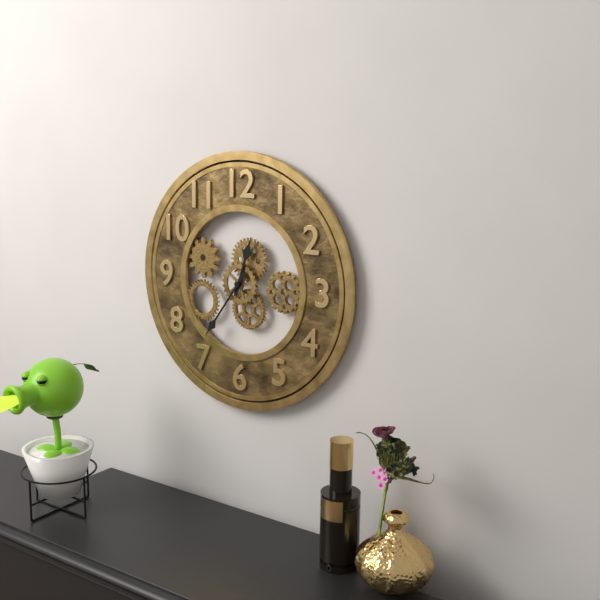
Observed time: 12:36
